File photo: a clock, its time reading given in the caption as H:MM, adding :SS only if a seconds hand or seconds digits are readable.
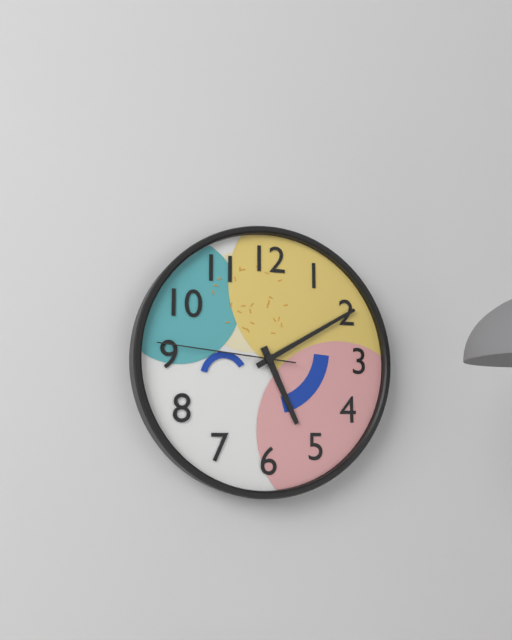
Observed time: 5:10:46
